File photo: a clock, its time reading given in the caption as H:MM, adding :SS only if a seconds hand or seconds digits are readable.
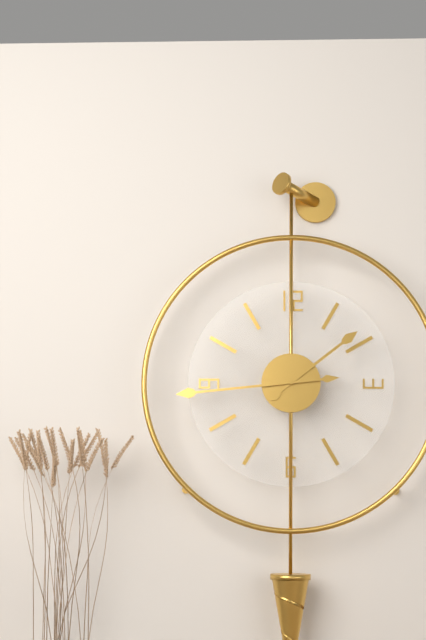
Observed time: 1:44
